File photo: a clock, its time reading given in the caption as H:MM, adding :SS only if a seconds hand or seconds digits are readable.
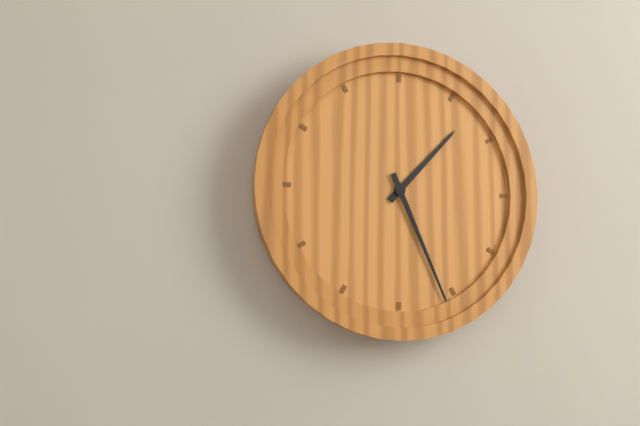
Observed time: 1:26
